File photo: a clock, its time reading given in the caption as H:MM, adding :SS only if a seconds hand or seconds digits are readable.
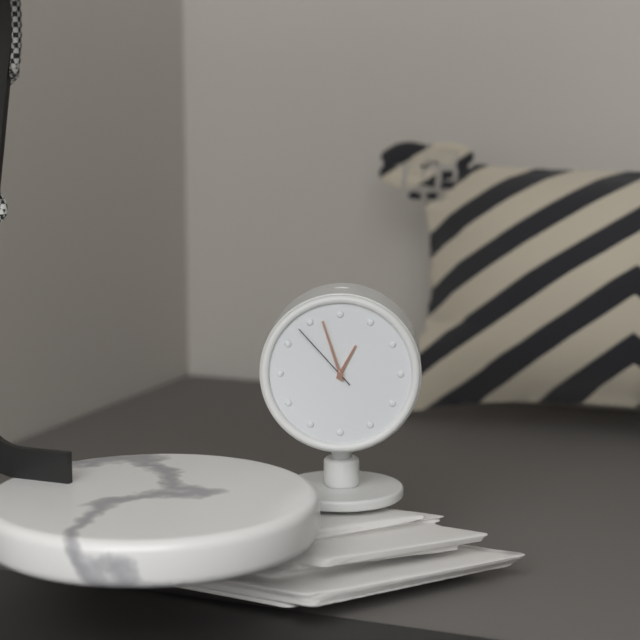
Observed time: 12:57:53
